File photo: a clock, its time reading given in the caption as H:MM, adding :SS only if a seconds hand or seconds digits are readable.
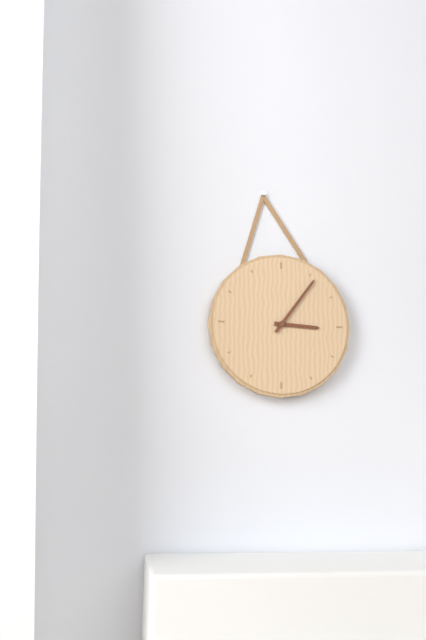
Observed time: 3:06
